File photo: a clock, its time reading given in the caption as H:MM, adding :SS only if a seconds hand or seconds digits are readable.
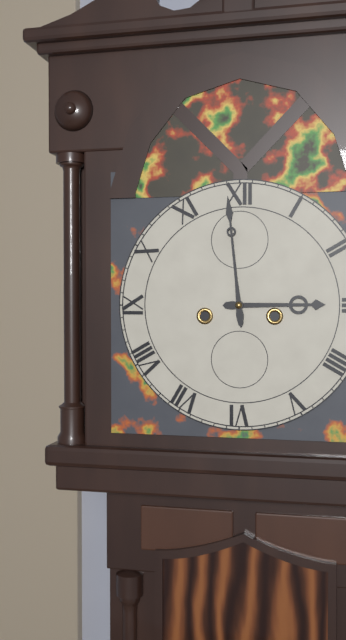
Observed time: 2:59
